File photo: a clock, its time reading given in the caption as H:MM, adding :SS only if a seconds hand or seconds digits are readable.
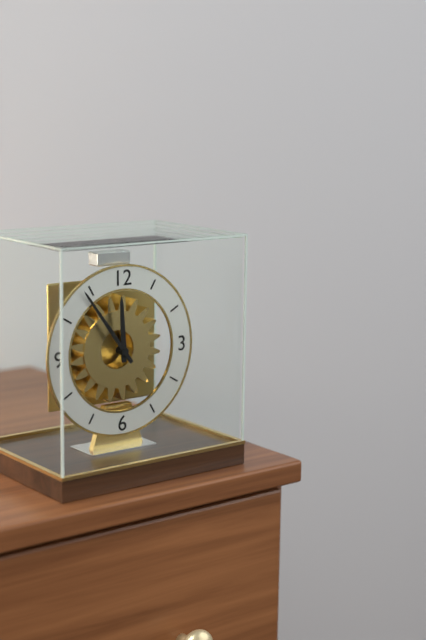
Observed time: 11:54
